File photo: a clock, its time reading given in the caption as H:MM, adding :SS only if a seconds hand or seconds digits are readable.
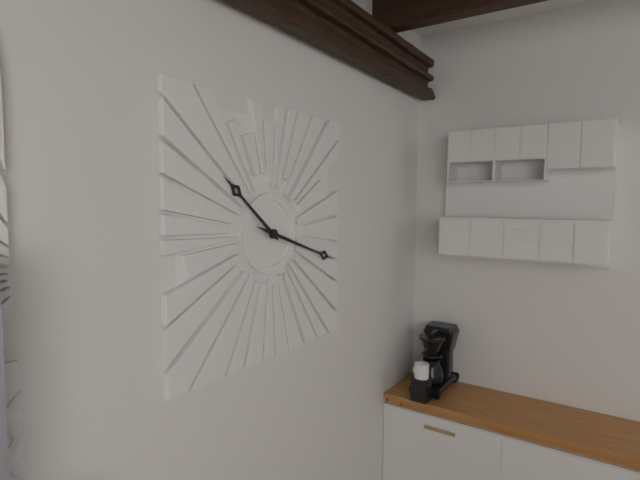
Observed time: 10:18
